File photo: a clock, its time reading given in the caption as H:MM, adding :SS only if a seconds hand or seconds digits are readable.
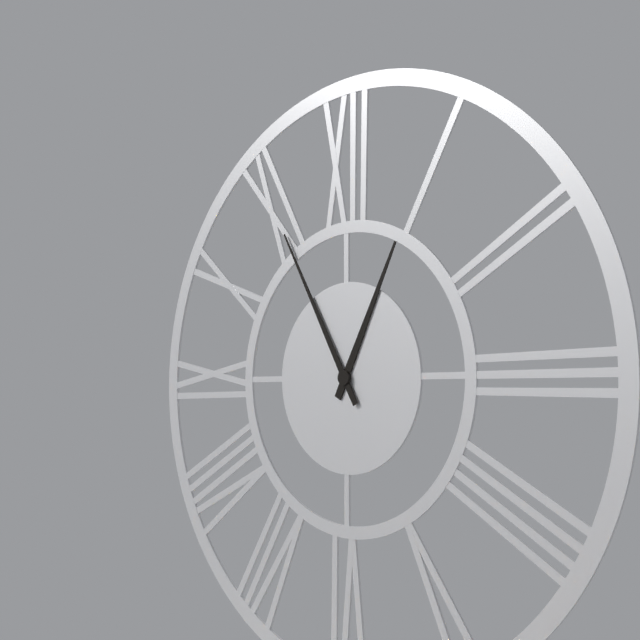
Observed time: 12:55
